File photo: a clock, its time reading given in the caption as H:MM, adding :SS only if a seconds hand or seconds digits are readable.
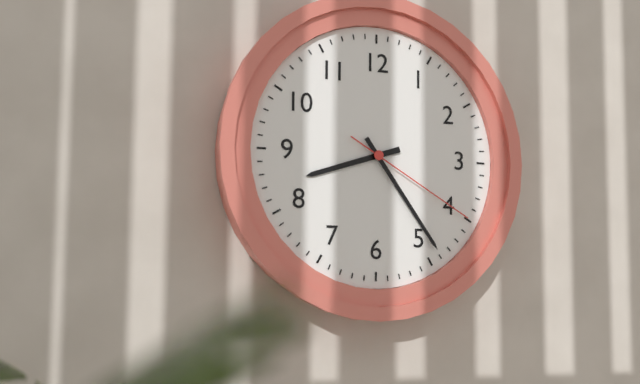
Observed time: 8:24:20
